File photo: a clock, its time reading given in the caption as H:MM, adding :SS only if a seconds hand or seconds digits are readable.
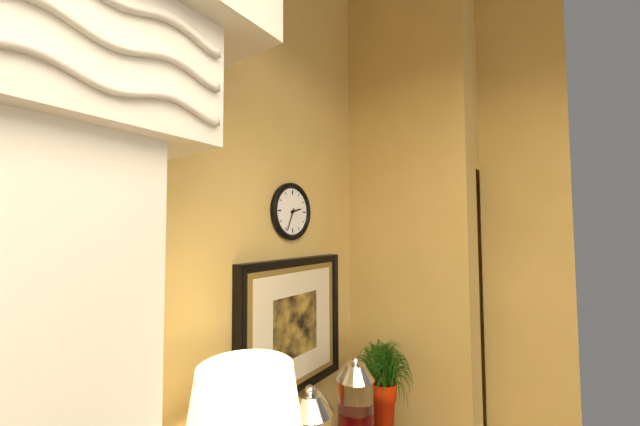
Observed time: 2:34
